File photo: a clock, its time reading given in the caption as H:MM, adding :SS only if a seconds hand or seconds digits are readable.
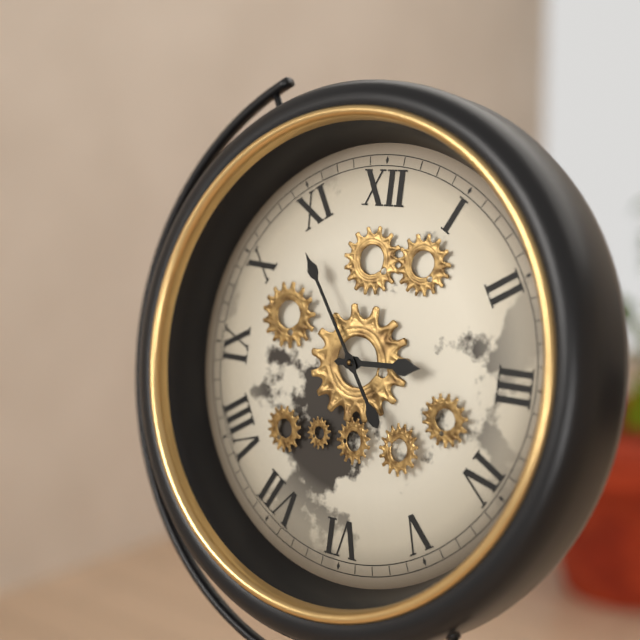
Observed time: 2:54
